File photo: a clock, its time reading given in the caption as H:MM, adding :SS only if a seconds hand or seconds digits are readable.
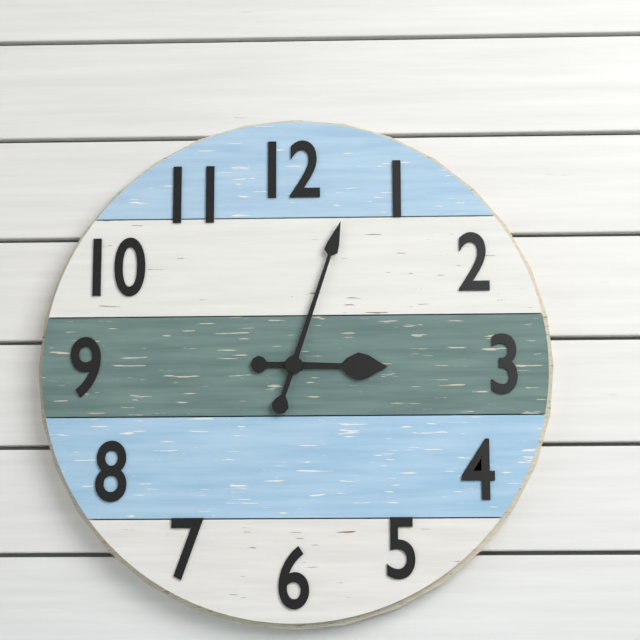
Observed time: 3:03
